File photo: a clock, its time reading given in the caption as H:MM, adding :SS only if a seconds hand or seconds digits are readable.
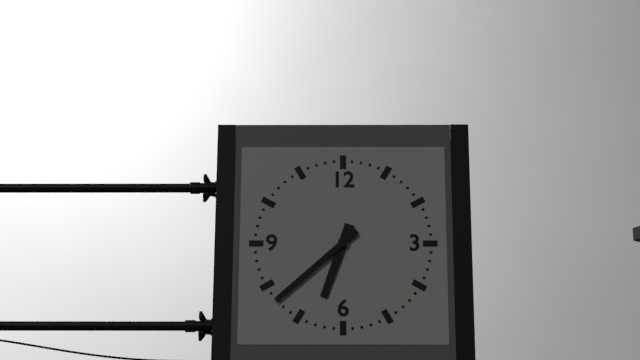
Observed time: 6:38
